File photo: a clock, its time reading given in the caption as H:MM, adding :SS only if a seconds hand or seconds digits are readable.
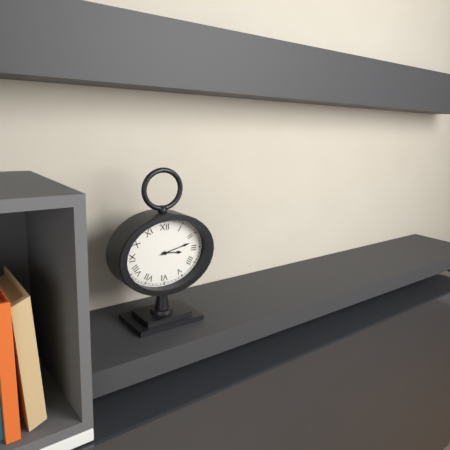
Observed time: 3:13
